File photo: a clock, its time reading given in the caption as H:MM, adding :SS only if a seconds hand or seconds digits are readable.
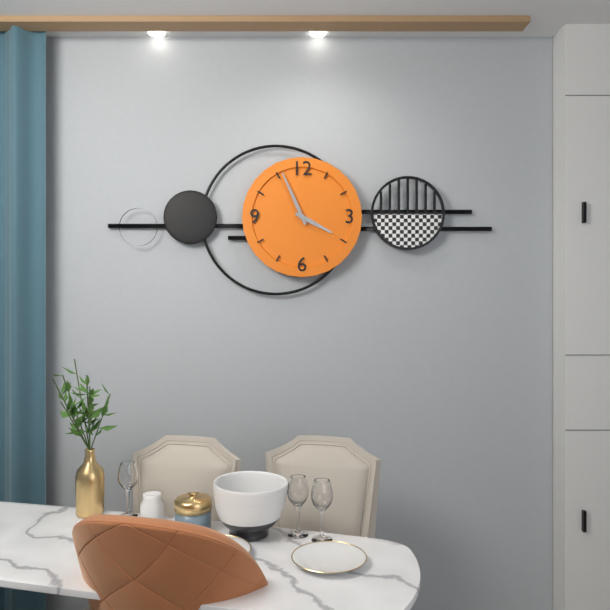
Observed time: 3:56
